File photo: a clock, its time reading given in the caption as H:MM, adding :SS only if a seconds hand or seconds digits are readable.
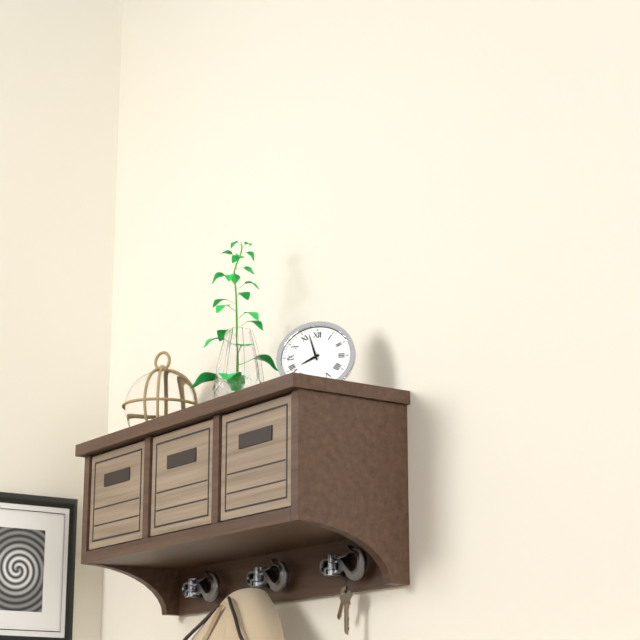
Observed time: 7:57
